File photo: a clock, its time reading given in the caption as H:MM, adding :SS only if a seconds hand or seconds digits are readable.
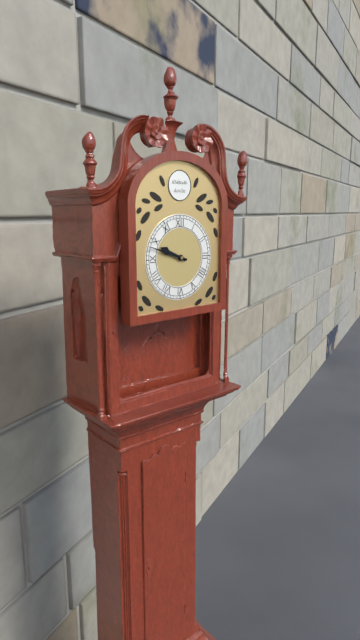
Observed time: 9:48
